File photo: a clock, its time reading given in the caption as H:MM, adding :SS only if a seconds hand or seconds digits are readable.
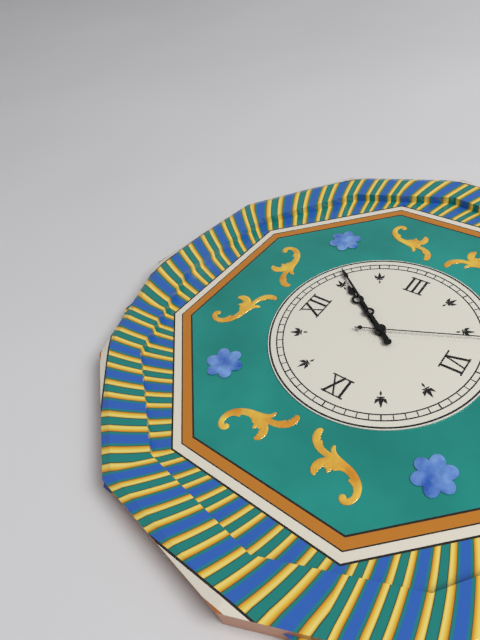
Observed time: 1:06
